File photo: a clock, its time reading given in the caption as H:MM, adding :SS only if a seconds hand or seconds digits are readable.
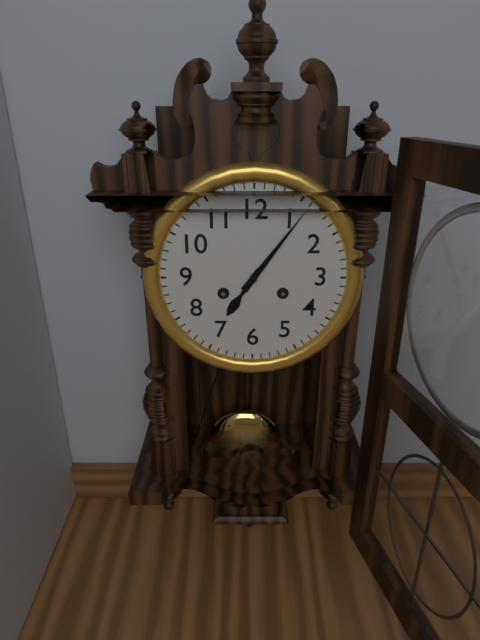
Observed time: 7:06
